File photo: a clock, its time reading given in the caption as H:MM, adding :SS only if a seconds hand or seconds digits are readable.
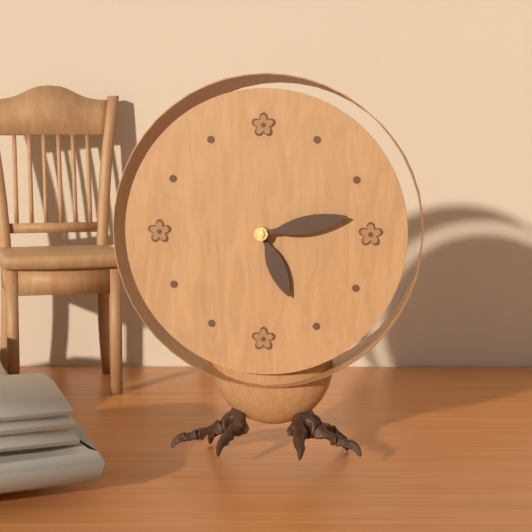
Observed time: 5:13
